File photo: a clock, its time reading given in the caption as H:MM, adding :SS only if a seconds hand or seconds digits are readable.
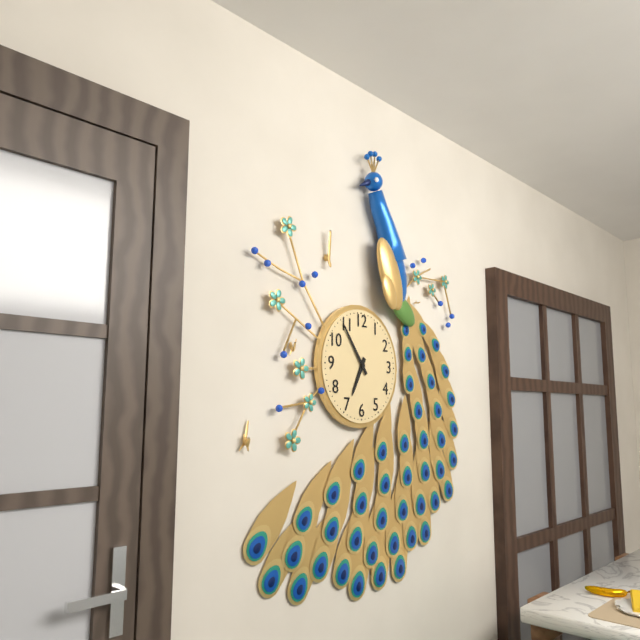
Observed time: 6:54
